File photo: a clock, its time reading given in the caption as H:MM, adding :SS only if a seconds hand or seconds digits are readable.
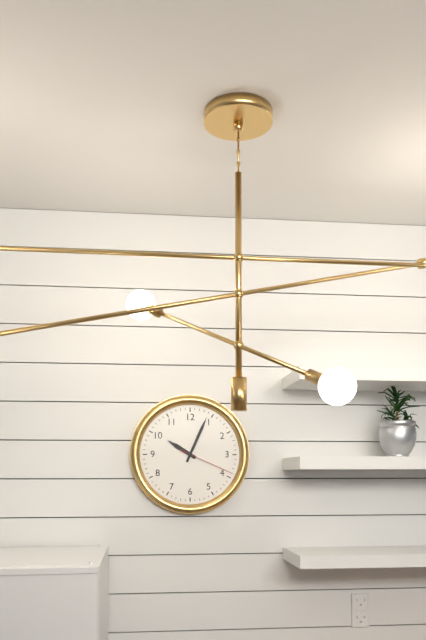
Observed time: 10:04:19
